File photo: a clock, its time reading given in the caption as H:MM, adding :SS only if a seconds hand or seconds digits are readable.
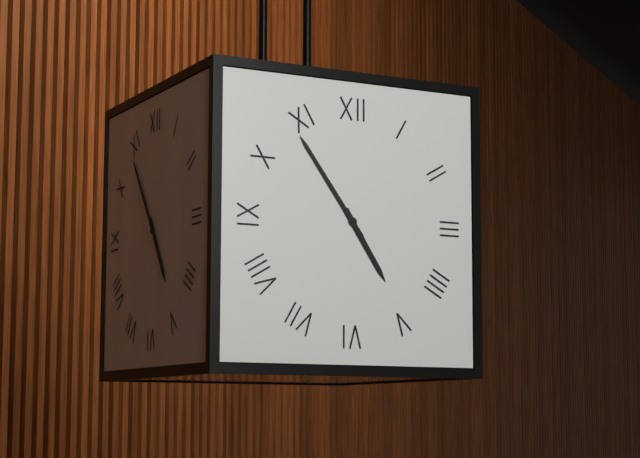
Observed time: 4:54
